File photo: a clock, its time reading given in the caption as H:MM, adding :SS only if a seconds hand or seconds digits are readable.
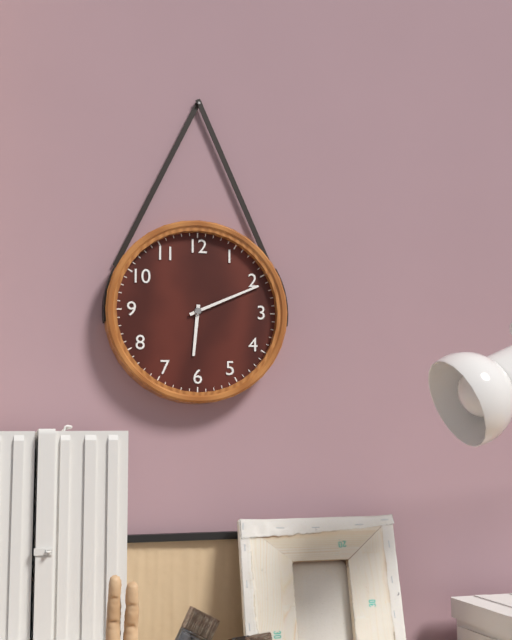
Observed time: 6:11
